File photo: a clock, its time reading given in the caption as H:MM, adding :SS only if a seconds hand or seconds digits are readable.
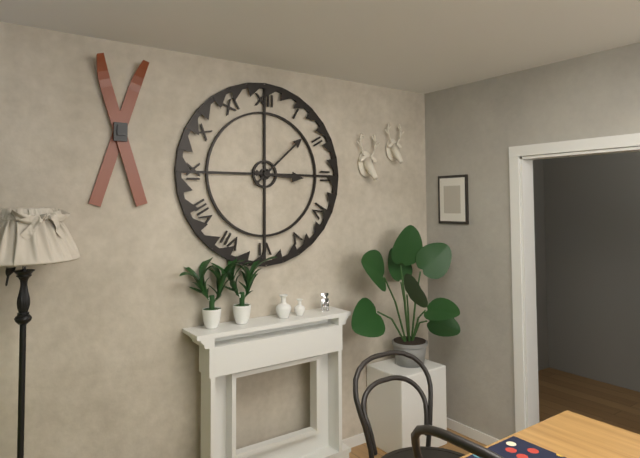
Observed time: 3:08
